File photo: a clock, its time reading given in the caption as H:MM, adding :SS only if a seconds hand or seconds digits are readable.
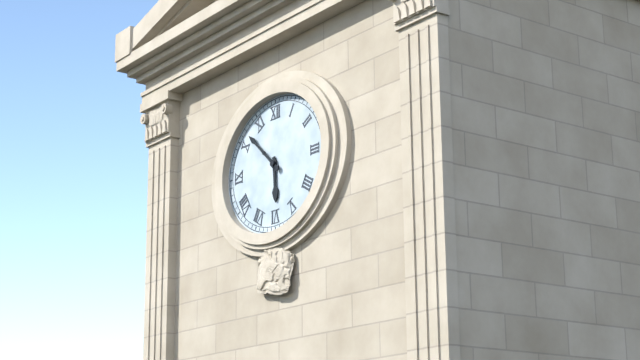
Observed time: 5:52
